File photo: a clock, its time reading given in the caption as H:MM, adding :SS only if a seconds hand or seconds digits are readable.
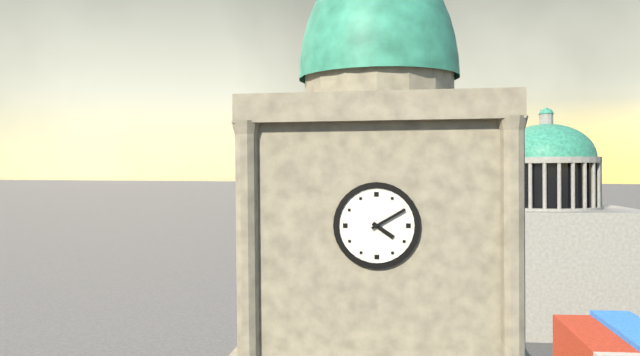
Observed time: 4:10
